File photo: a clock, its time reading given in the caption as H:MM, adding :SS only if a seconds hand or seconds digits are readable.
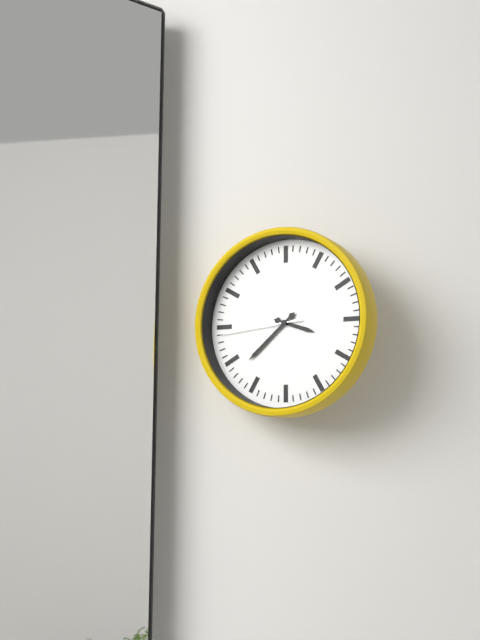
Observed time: 3:38:44
